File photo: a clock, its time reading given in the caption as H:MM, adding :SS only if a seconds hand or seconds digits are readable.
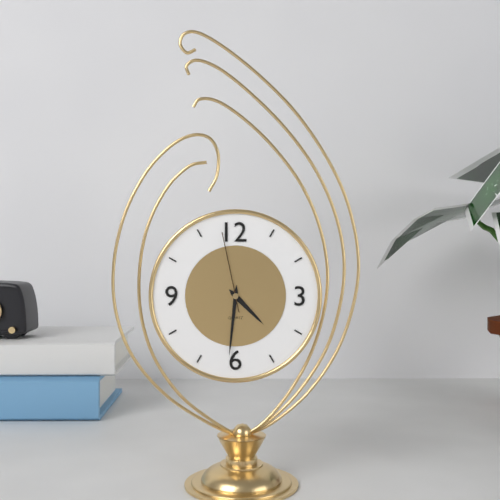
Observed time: 4:31:58
